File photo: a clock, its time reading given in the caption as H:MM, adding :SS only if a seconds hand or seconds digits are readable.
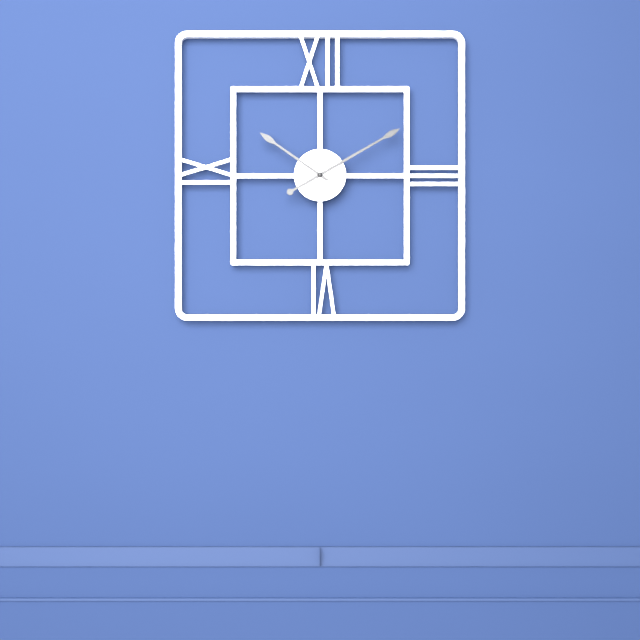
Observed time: 10:10
